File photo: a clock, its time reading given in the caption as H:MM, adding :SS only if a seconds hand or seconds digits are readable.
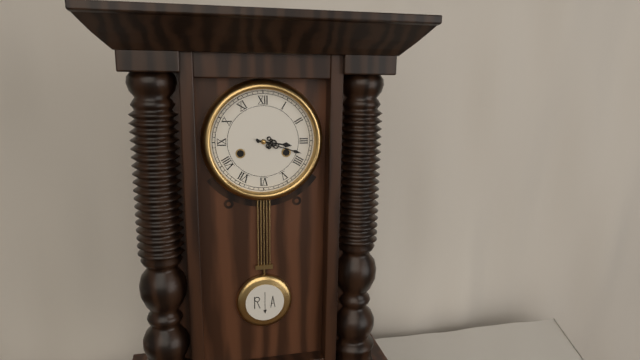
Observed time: 3:18
